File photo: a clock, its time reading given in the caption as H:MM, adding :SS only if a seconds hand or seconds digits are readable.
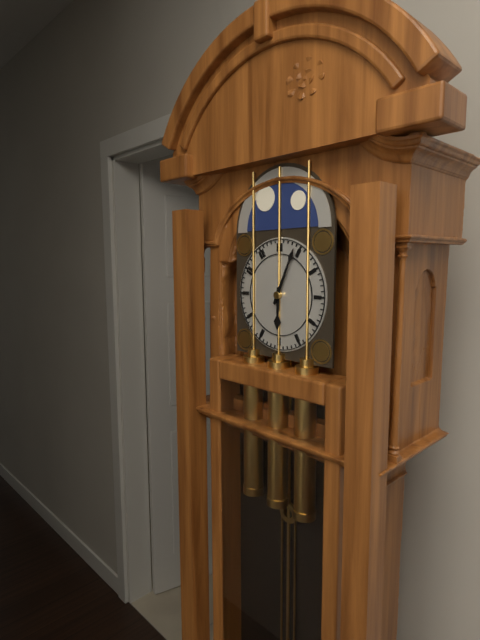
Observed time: 6:04
